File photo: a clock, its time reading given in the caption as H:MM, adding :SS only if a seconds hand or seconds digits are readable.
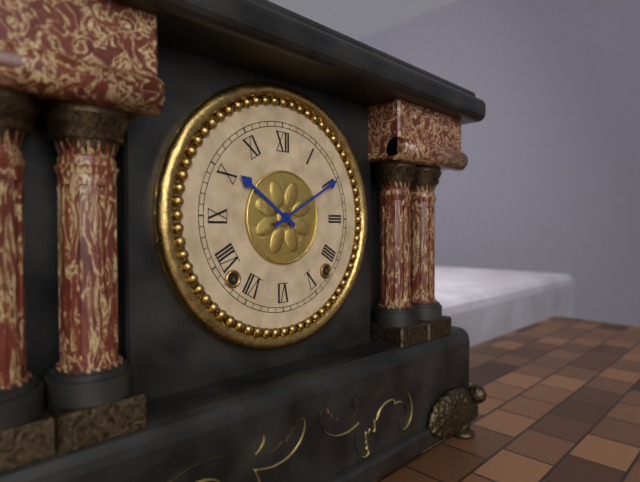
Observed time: 10:10
